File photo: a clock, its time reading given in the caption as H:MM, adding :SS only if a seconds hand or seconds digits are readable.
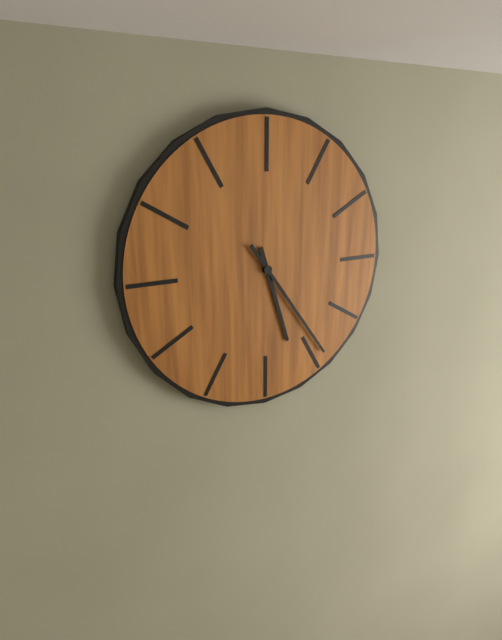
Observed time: 5:24
